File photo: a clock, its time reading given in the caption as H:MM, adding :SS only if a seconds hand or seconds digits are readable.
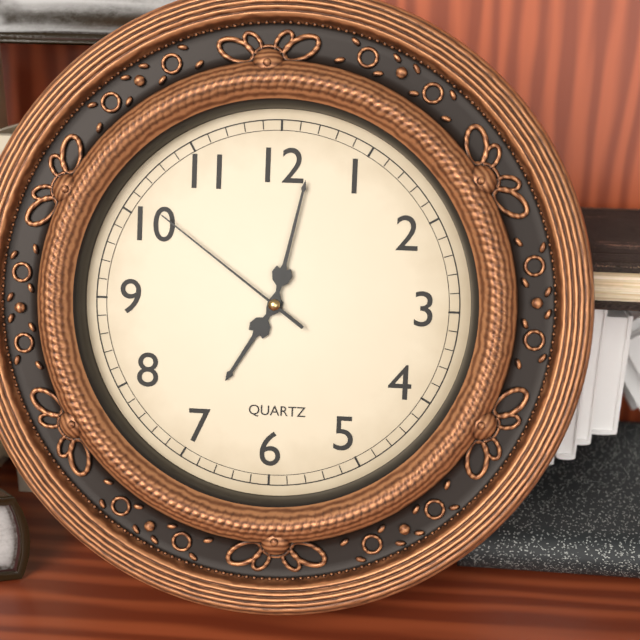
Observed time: 7:02:51
